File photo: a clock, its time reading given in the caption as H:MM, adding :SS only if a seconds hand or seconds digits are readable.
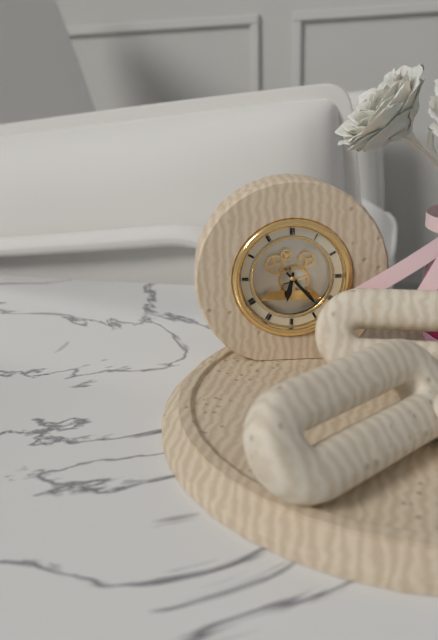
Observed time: 6:23
